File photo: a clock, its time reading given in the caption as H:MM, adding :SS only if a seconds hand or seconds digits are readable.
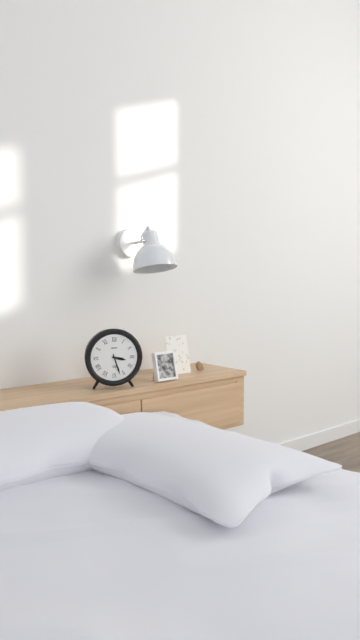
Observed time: 3:27
